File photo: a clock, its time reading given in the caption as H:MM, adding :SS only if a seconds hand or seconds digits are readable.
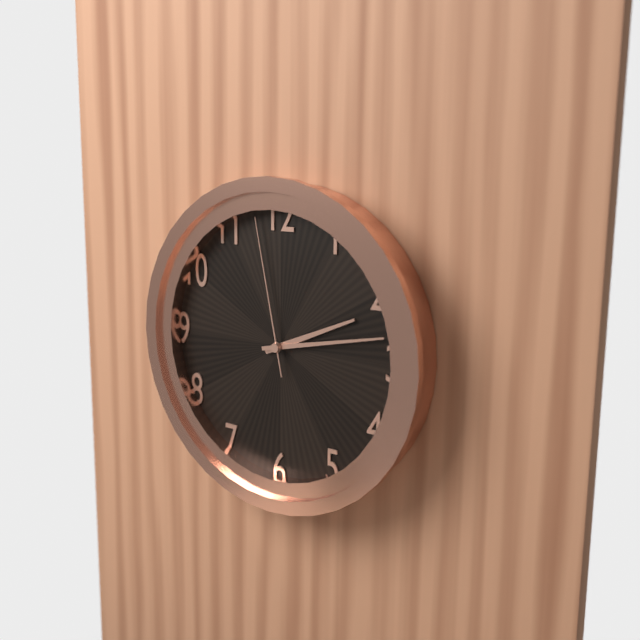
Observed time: 2:13:58
